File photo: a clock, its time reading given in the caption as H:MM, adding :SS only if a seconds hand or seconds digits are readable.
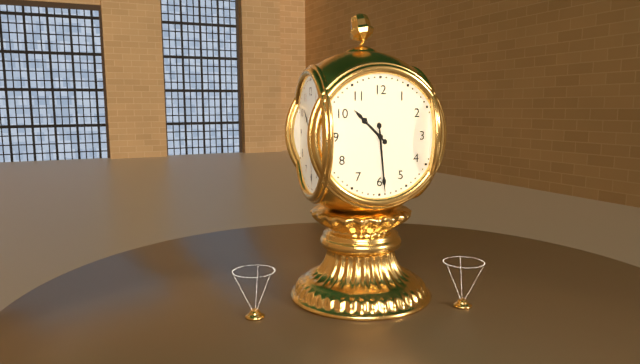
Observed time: 10:29
